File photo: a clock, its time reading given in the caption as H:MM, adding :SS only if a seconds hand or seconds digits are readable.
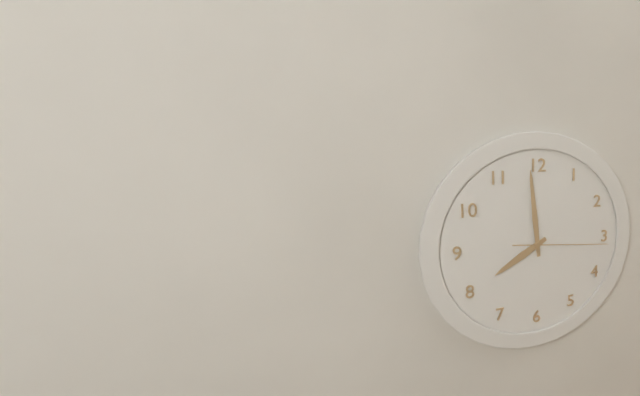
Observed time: 7:59:16
